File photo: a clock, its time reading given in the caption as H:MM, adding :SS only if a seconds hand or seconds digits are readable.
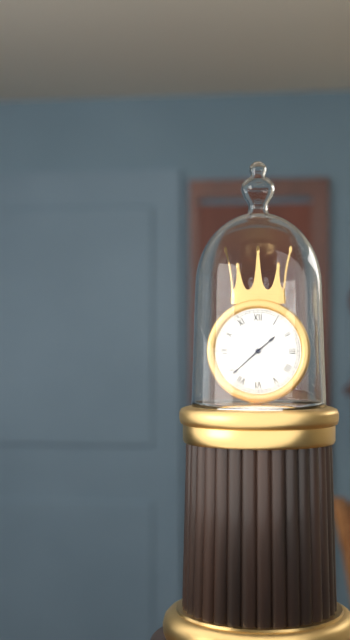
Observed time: 1:38
